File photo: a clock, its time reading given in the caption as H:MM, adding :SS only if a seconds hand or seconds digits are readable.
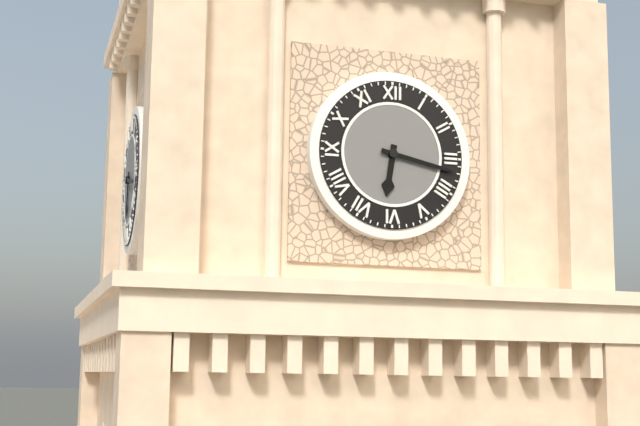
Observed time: 6:17
